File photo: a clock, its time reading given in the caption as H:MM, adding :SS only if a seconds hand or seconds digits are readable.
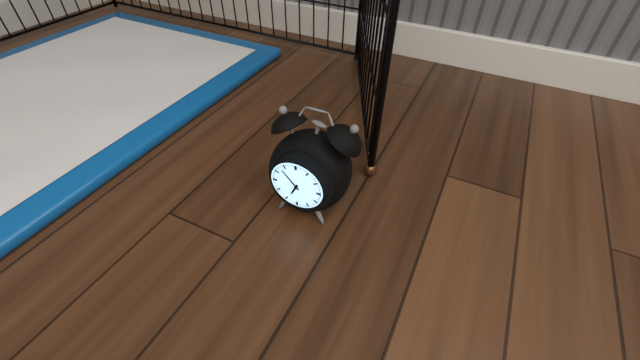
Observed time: 6:53
